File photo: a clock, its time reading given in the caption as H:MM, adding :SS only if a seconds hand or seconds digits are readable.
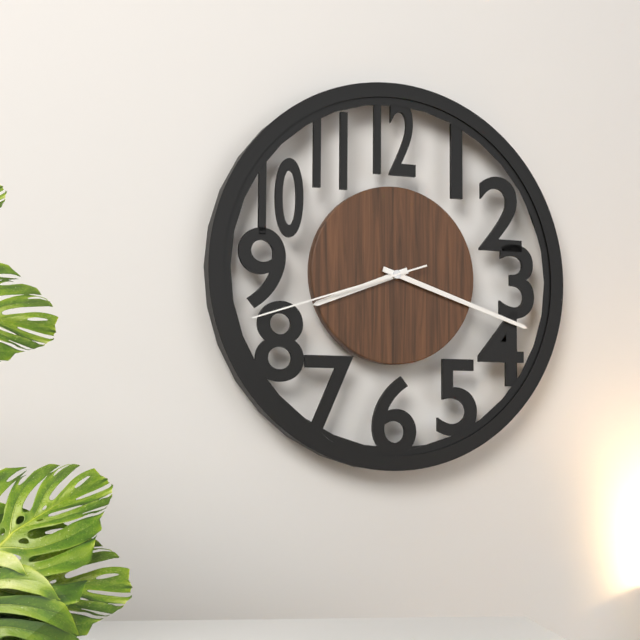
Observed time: 8:18:42
